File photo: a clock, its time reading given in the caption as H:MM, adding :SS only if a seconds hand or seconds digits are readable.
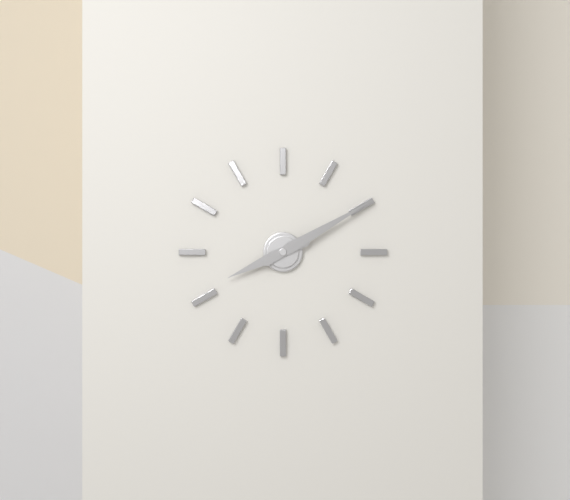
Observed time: 8:10
